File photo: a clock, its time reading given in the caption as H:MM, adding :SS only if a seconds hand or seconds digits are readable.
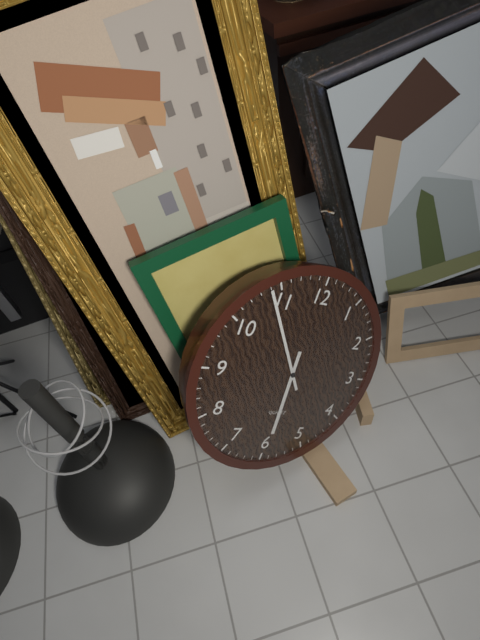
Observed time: 5:54
